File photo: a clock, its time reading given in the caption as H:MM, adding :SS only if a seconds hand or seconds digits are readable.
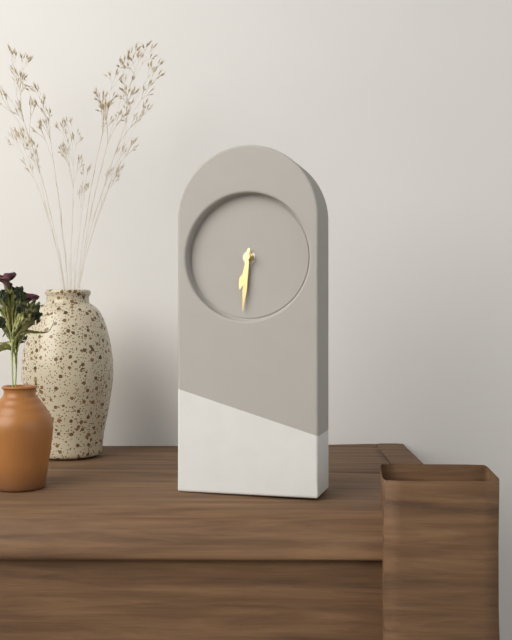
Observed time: 6:31
